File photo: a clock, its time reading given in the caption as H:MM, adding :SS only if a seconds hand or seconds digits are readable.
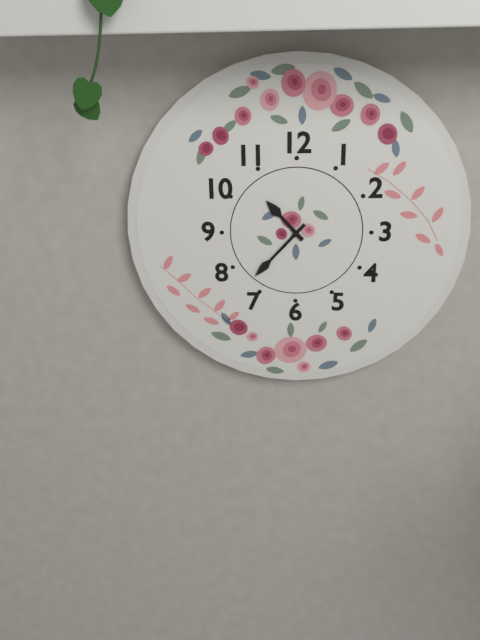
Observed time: 10:37
